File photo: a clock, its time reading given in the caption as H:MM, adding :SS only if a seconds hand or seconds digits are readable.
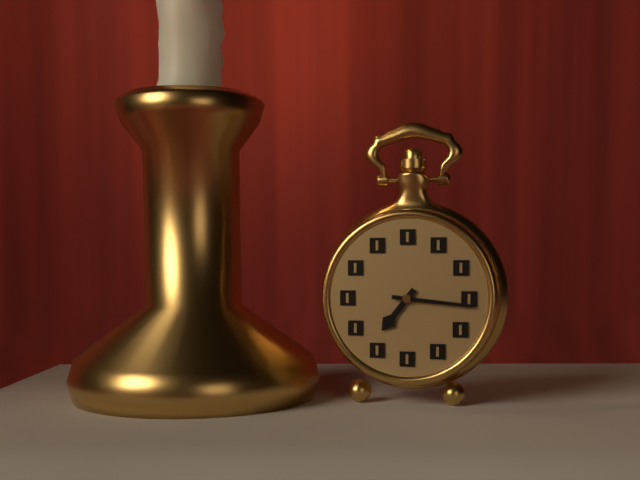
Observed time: 7:16
